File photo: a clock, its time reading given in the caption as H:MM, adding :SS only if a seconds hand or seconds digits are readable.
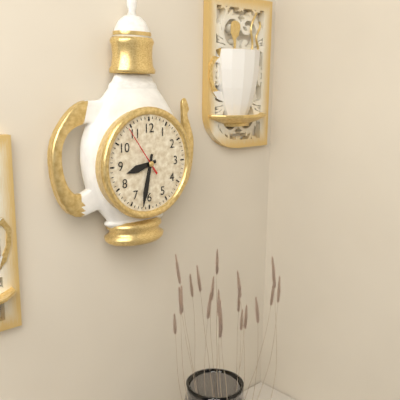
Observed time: 8:32:54
